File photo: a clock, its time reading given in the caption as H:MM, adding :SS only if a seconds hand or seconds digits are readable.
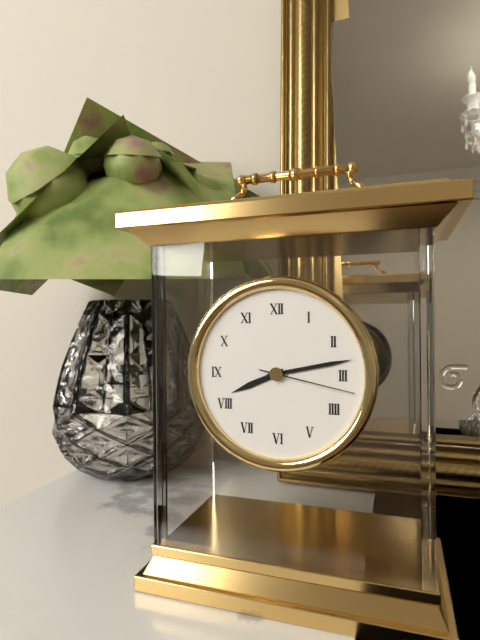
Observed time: 8:13:17
